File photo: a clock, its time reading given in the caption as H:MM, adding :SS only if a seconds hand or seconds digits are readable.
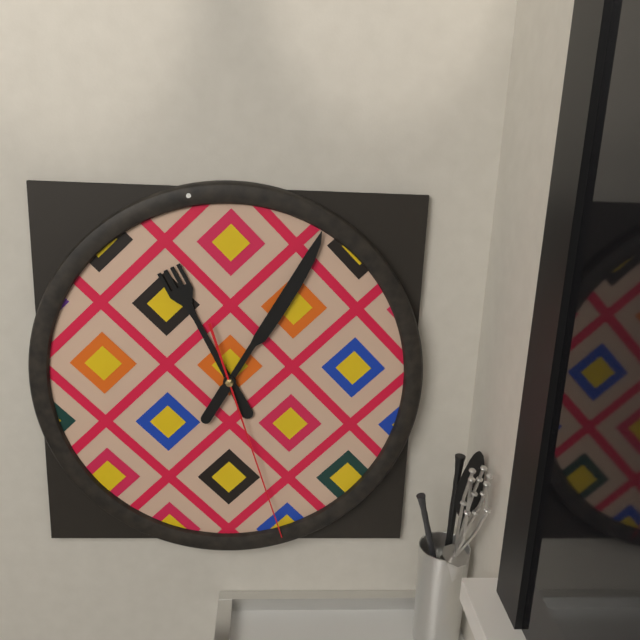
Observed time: 11:05:27
